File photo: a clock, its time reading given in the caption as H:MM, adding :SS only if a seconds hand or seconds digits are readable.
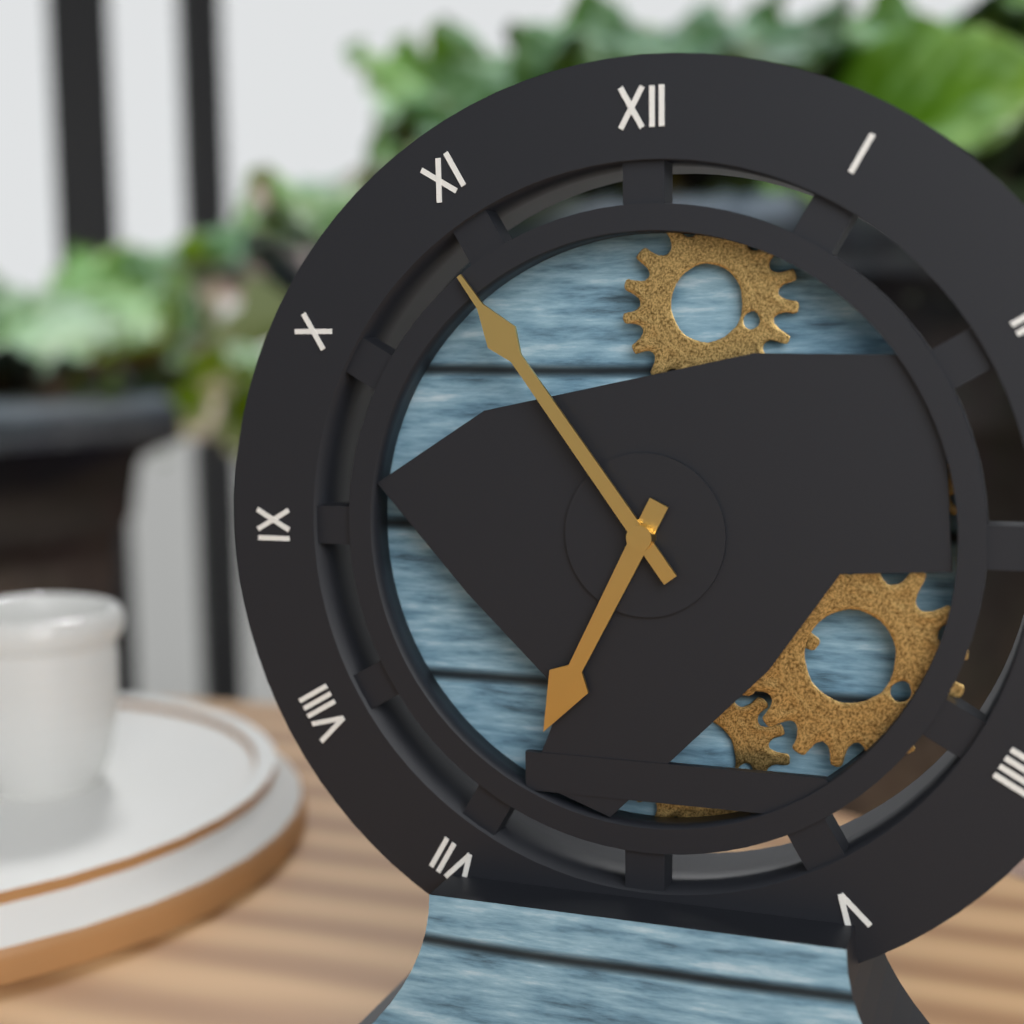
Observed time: 6:54
